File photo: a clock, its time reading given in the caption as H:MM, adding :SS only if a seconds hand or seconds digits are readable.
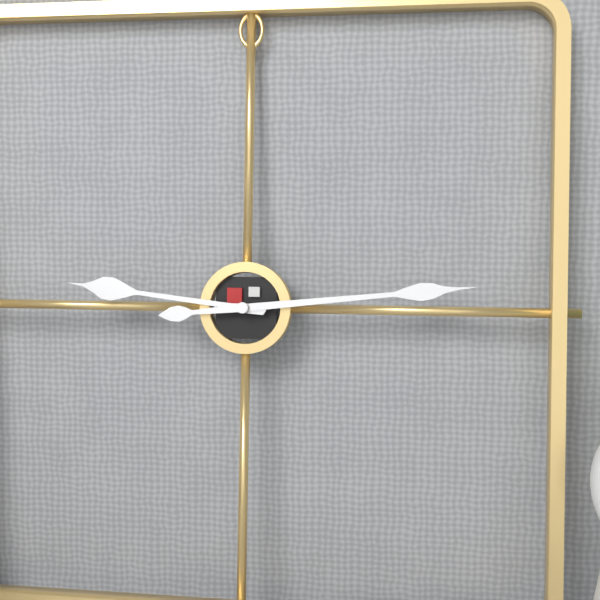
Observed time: 9:14
